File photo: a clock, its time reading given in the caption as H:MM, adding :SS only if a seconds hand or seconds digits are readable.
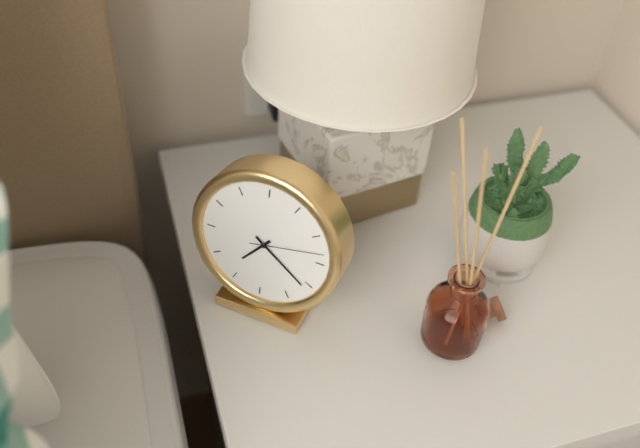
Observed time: 7:21:13
